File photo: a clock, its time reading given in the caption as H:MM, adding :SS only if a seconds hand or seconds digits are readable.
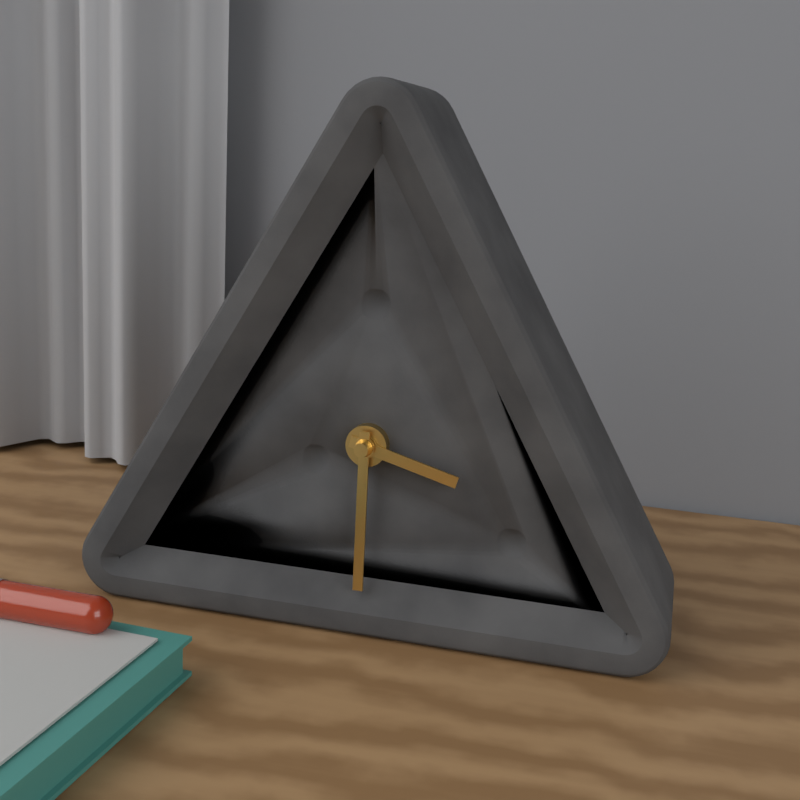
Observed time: 3:30
